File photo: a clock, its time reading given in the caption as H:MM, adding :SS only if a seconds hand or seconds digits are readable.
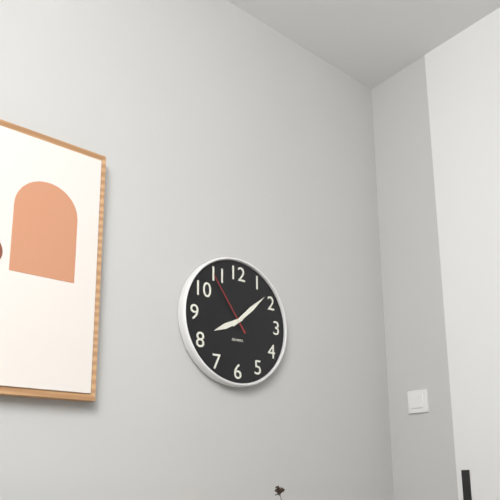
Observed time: 8:08:54
